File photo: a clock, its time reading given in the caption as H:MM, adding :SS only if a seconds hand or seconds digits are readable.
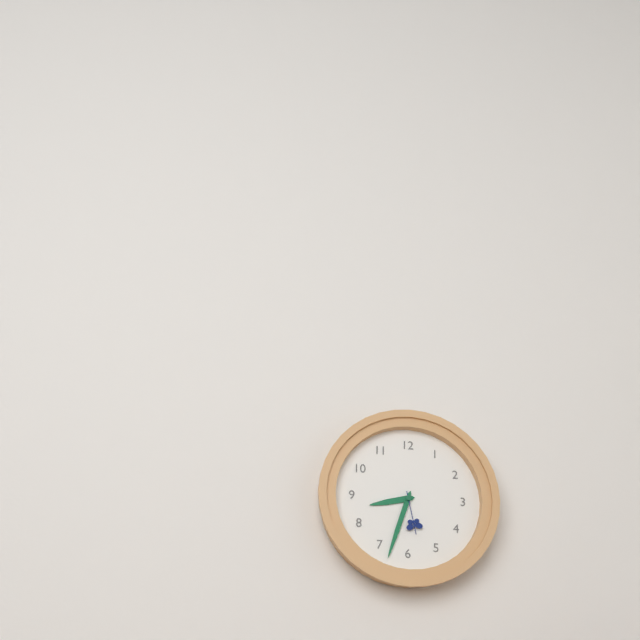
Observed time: 8:33
